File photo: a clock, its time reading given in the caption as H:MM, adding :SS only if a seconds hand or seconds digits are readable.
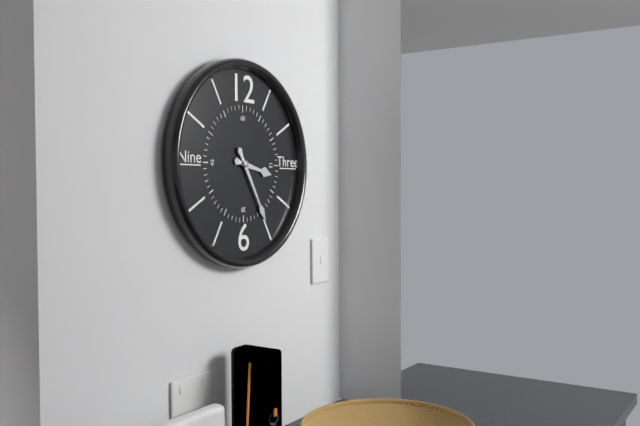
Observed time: 3:25
